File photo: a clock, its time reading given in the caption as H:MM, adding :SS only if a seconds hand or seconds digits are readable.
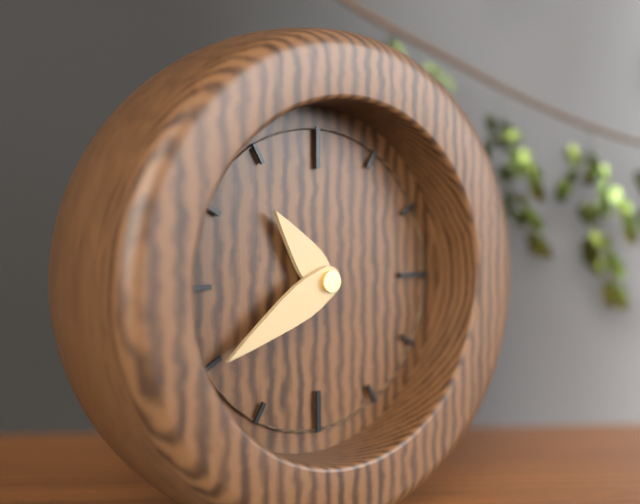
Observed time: 10:40
